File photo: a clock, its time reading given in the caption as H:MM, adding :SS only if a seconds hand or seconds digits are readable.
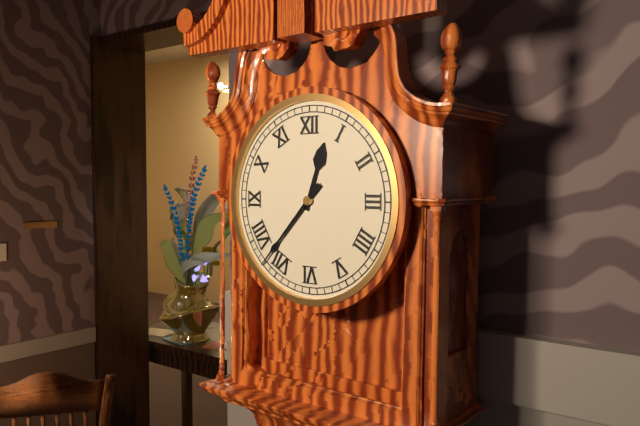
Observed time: 12:37
